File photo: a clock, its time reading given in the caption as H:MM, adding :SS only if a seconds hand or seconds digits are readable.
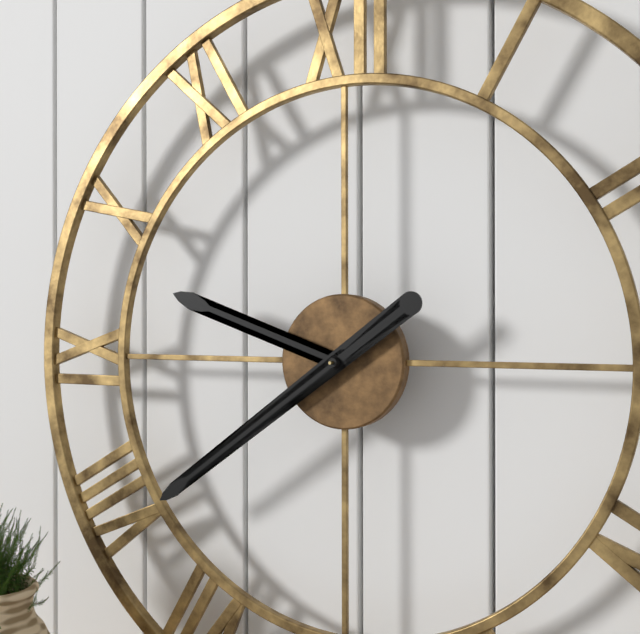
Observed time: 9:39
